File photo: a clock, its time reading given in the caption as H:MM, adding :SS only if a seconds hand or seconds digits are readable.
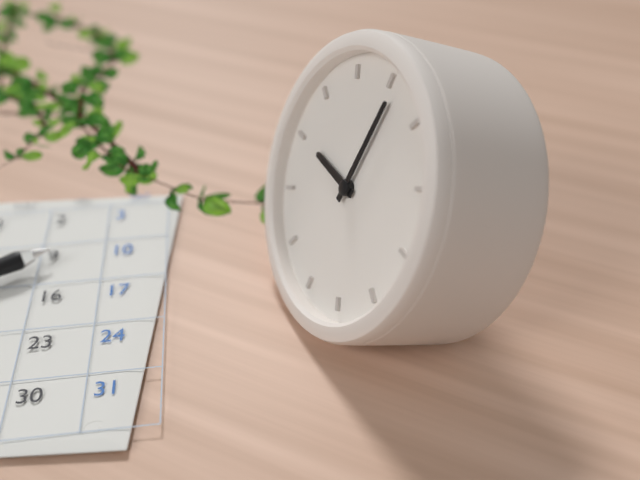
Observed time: 9:01
